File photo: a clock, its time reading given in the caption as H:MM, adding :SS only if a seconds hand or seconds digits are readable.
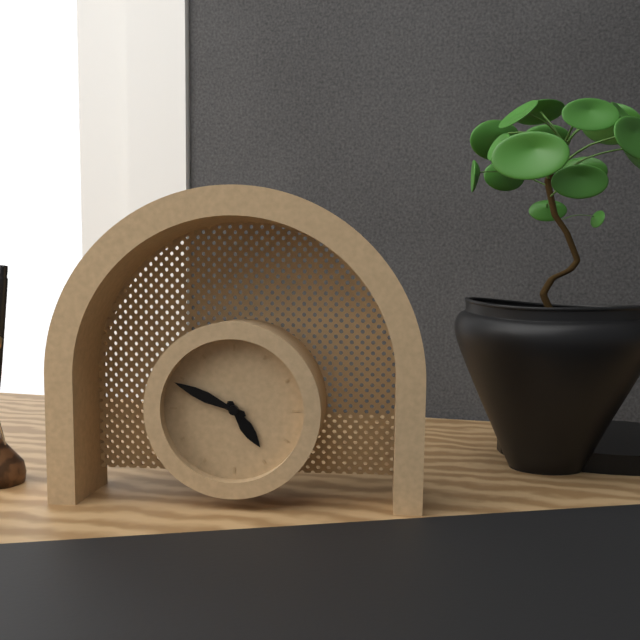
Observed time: 4:49
